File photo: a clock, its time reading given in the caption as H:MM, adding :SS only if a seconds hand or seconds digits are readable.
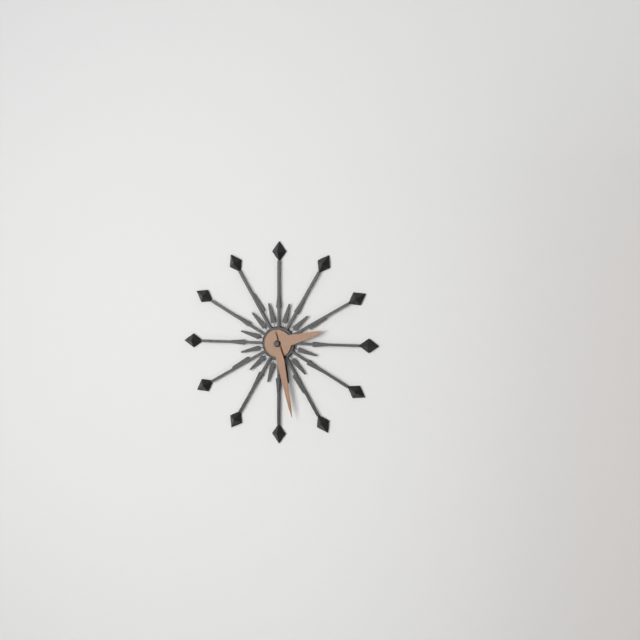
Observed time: 2:28
